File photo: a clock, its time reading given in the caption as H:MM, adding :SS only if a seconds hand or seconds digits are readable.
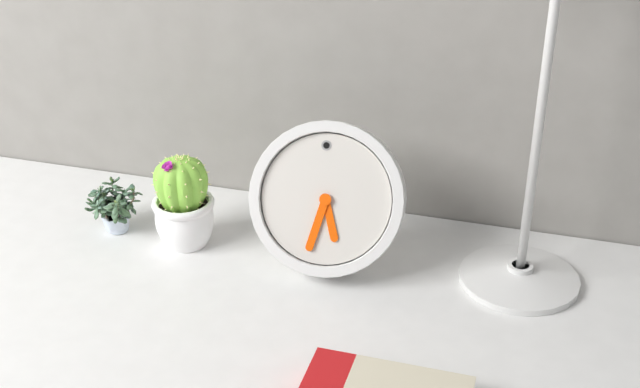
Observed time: 5:33
